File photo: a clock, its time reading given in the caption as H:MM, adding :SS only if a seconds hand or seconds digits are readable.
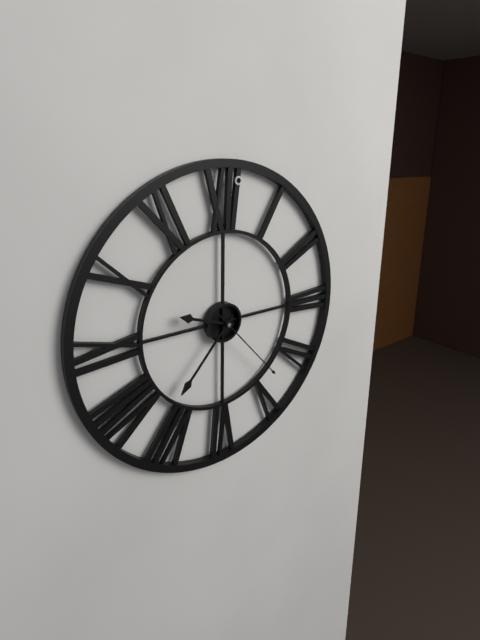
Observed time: 9:37:23
